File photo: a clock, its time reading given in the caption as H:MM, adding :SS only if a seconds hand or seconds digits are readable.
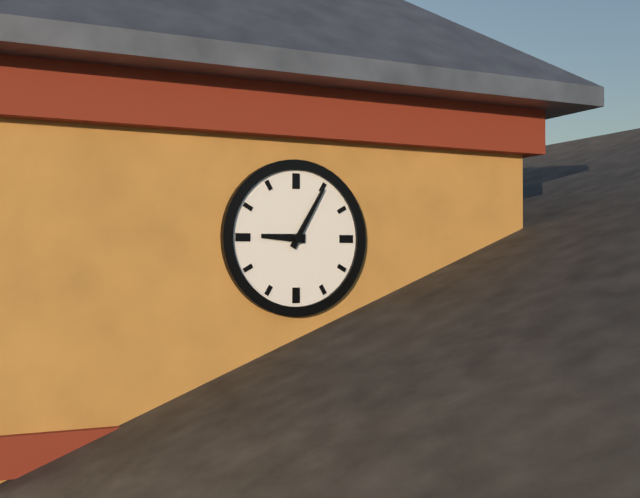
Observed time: 9:05
